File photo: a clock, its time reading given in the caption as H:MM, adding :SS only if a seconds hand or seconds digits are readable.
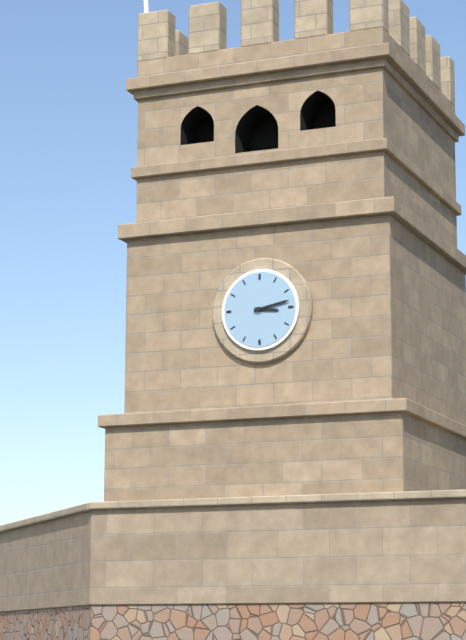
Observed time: 3:13
